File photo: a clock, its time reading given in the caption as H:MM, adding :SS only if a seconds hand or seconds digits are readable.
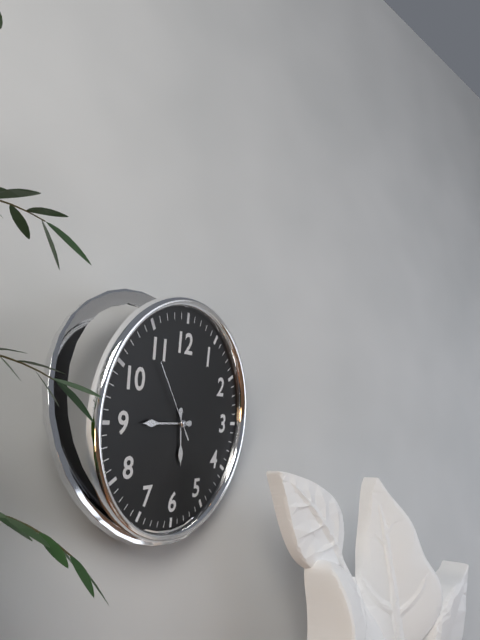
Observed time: 5:45:54
